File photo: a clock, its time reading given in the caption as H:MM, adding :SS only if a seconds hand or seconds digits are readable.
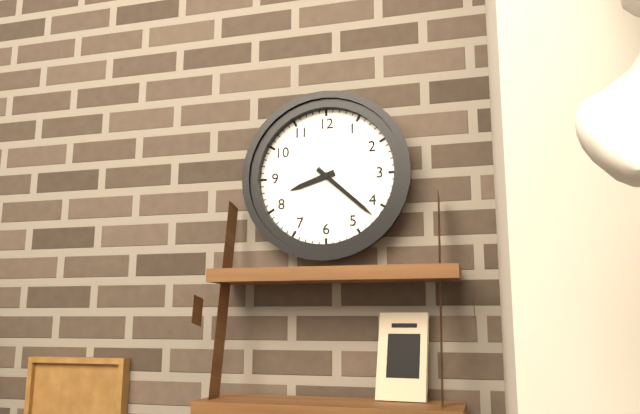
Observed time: 8:22
